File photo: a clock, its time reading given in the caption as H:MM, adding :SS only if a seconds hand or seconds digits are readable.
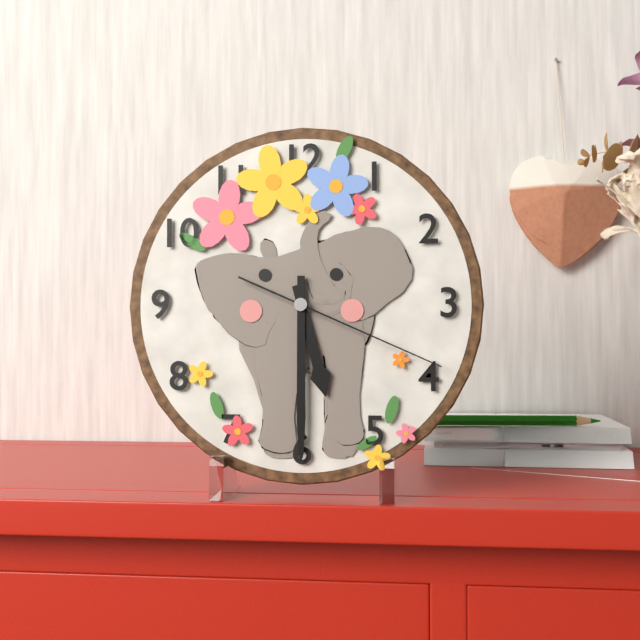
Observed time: 5:30:19
